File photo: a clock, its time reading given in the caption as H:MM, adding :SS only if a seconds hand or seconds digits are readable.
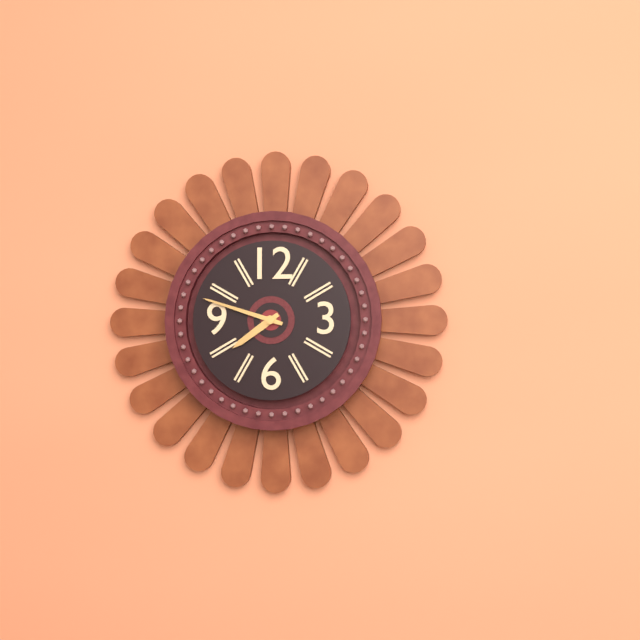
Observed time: 7:48
